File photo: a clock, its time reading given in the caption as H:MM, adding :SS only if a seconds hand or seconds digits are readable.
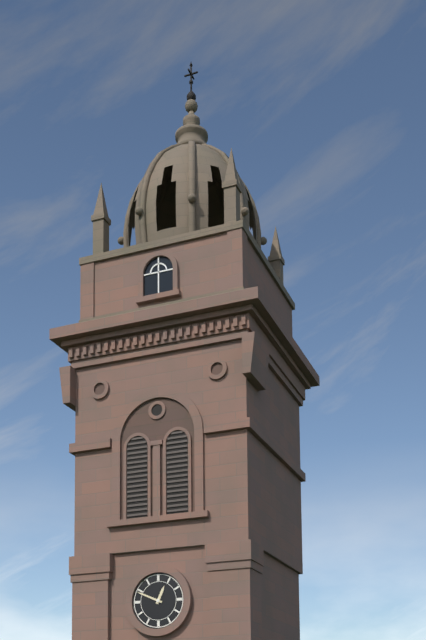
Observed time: 12:49
